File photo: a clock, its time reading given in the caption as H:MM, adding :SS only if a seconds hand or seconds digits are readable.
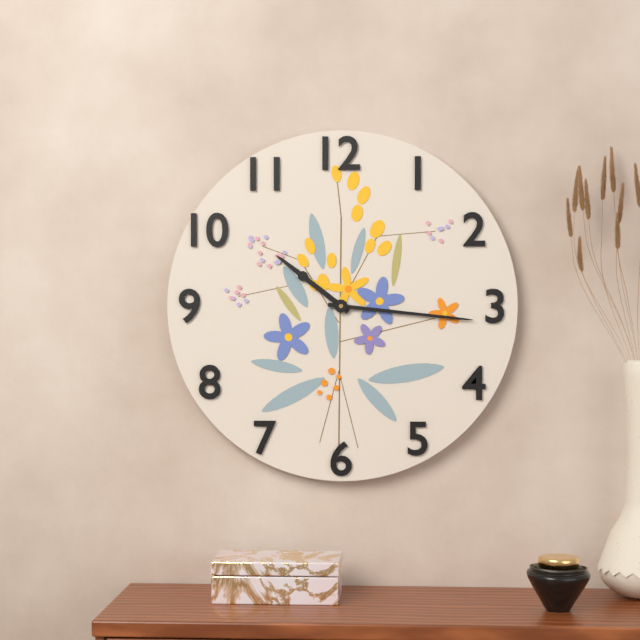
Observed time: 10:16
